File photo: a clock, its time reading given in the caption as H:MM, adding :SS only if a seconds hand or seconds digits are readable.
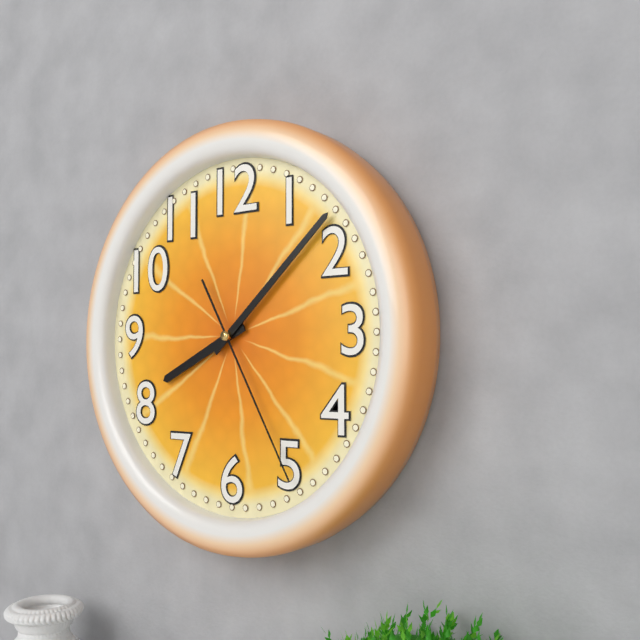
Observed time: 8:08:25
